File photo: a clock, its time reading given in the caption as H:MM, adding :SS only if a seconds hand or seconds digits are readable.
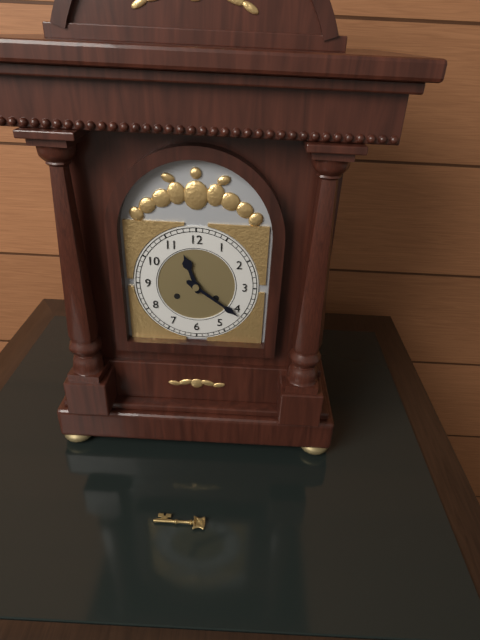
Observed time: 11:21
